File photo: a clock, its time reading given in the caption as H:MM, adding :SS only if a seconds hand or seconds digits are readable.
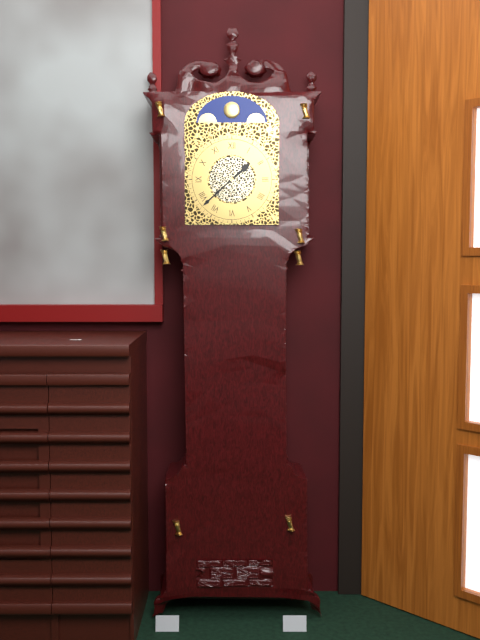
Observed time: 1:38
